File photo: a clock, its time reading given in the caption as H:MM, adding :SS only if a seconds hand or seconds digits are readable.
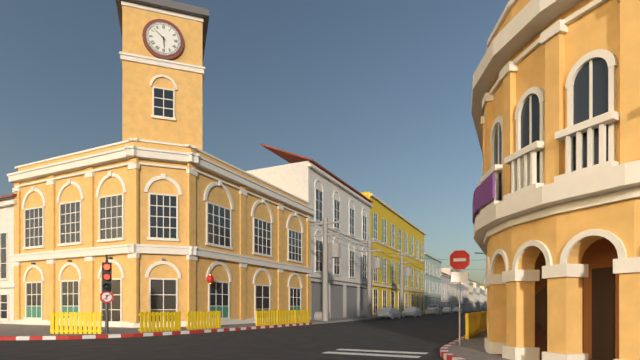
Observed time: 5:52
